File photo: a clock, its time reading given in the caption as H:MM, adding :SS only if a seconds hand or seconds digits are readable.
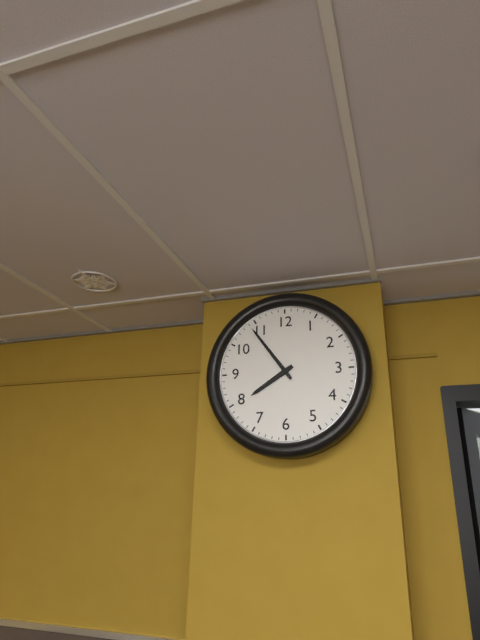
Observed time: 7:54
